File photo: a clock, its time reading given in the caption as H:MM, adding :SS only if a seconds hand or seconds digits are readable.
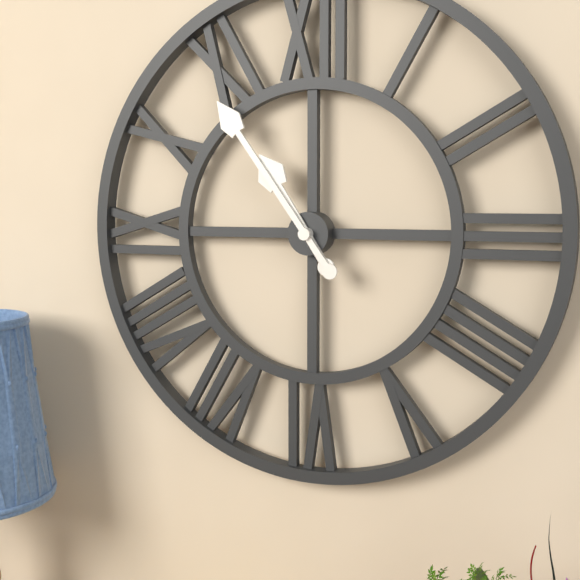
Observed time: 10:54
